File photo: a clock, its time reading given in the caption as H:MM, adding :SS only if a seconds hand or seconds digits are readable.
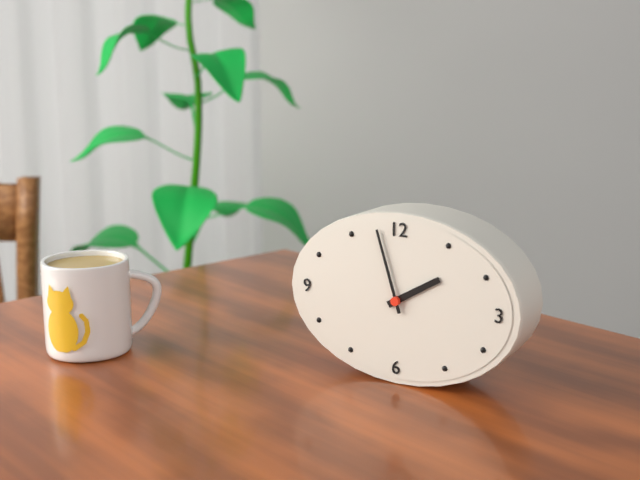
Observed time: 1:57
